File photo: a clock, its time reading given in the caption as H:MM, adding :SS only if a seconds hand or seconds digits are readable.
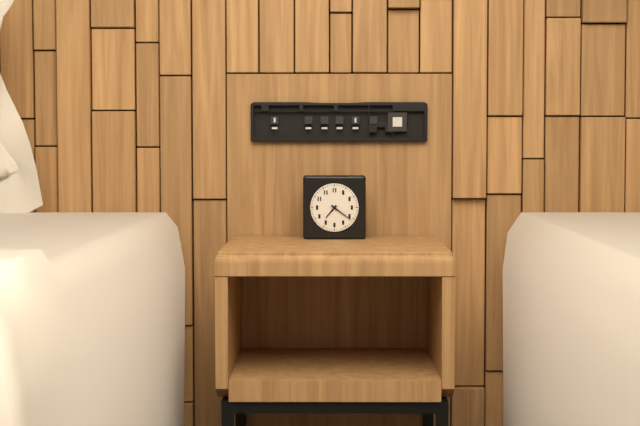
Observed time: 7:21
